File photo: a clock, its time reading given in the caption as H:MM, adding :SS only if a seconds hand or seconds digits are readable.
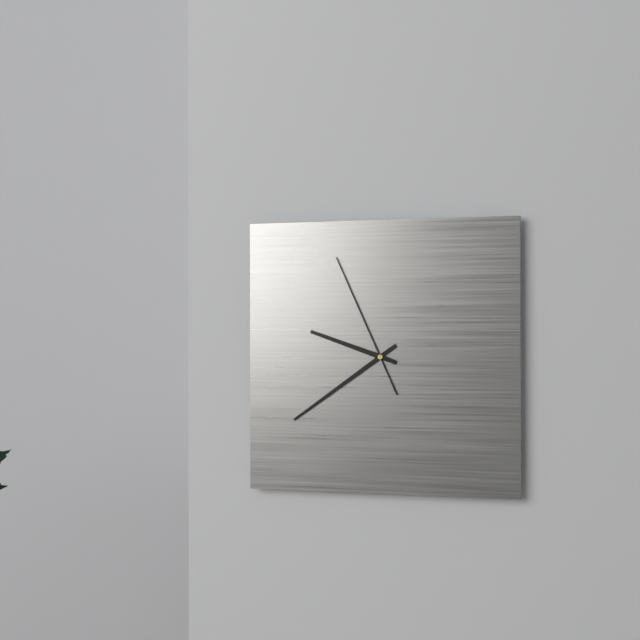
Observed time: 9:39:56
